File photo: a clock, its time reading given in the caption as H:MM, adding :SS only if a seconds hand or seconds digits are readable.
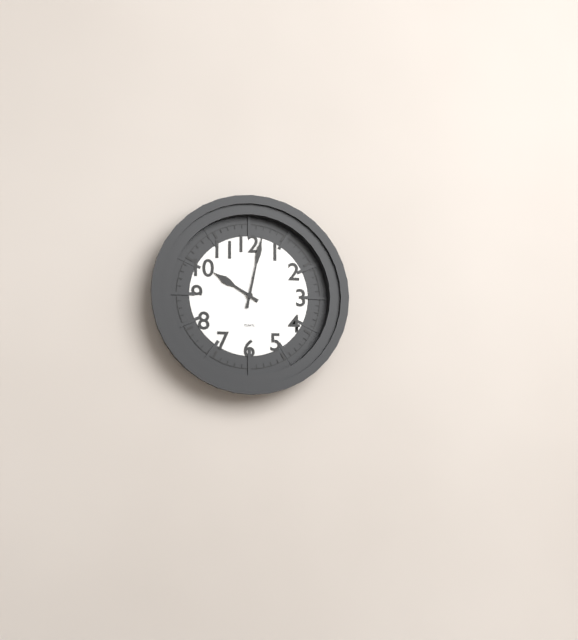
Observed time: 10:02
